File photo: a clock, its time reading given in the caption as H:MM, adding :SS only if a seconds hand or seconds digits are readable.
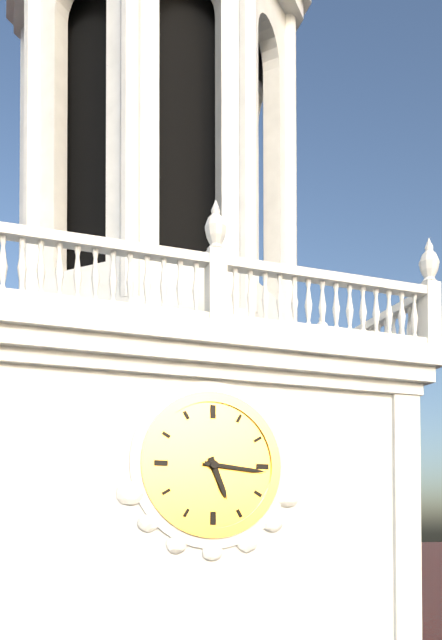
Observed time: 5:16
